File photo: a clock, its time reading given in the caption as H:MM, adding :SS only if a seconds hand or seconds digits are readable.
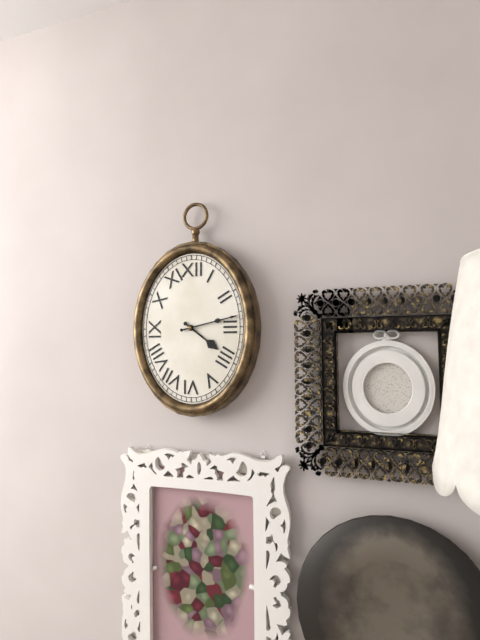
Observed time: 4:13
